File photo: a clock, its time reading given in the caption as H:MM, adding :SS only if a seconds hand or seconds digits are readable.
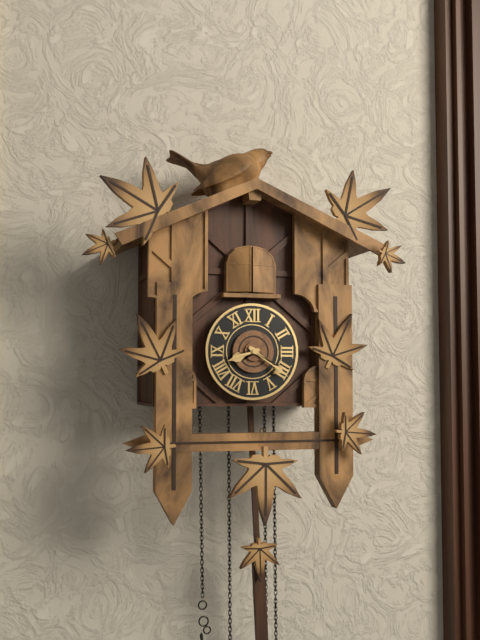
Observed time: 8:21
